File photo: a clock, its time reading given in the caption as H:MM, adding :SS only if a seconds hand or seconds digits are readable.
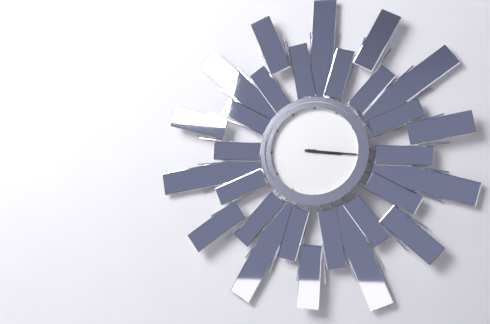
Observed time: 3:16
